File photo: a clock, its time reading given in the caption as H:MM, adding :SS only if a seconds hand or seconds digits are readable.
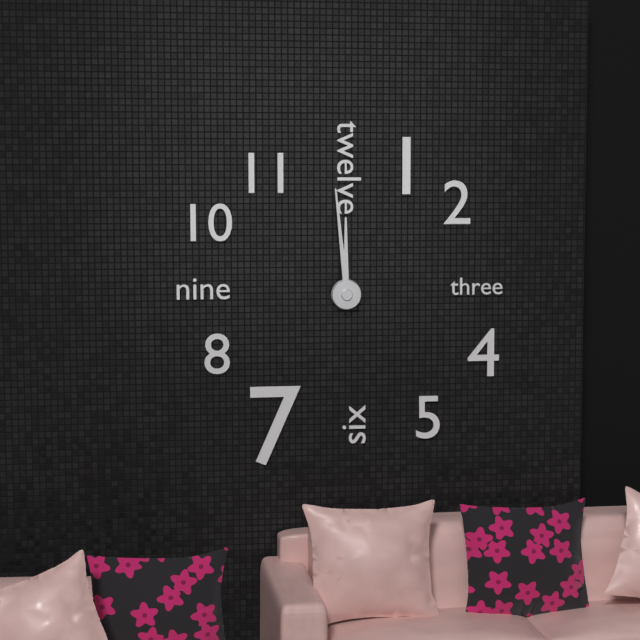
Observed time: 11:59
